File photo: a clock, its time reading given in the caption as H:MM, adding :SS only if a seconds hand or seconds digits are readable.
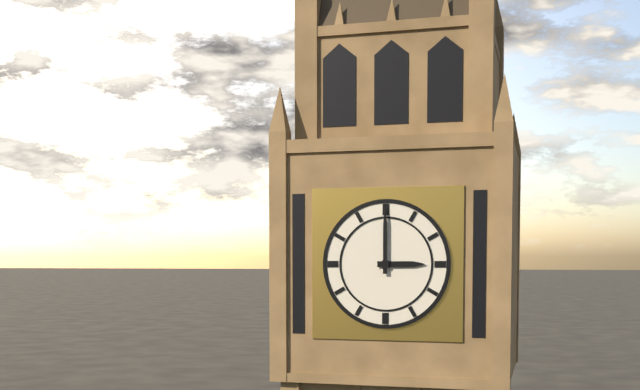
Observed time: 3:00
